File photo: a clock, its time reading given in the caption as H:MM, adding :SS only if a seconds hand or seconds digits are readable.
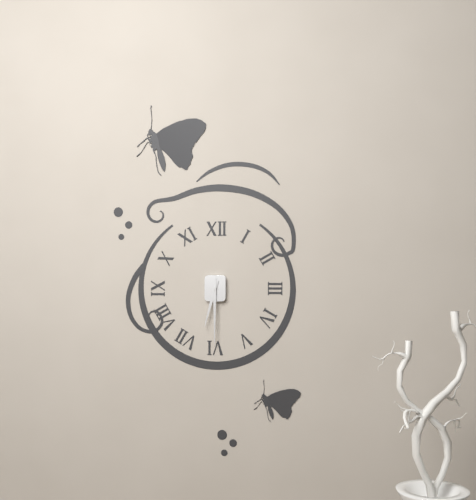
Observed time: 6:30
